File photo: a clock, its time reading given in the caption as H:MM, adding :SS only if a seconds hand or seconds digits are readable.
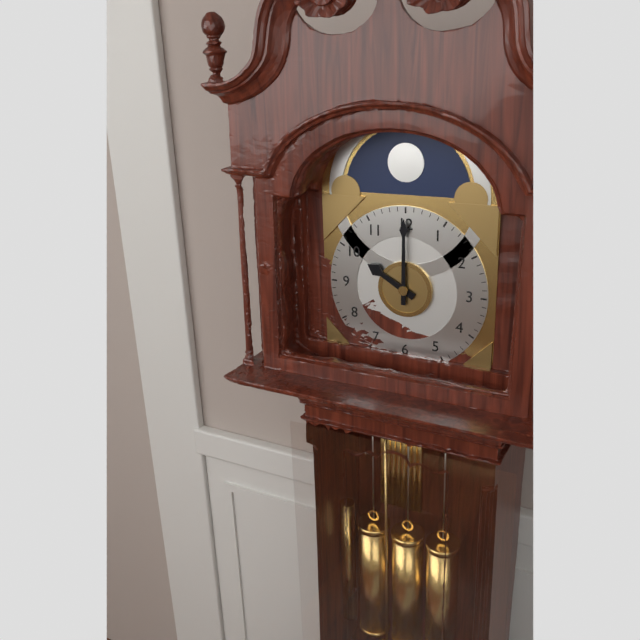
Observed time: 10:00
